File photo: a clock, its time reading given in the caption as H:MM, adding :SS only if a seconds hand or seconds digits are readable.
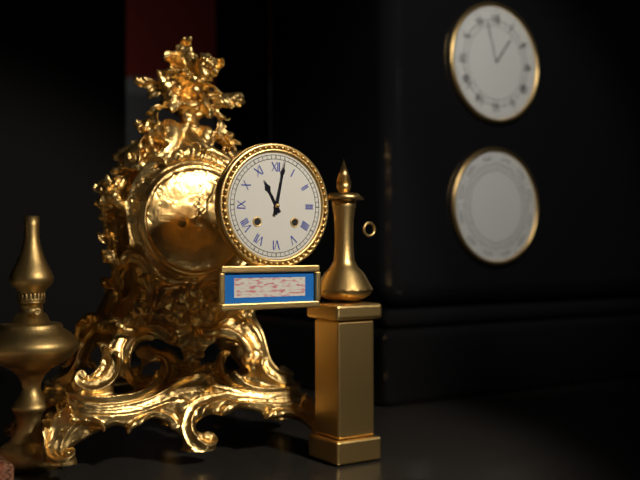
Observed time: 11:02
